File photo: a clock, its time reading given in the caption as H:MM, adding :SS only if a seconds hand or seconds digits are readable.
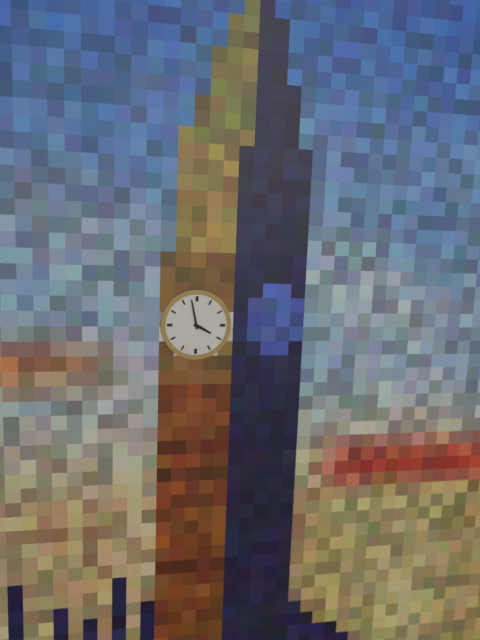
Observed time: 3:58
